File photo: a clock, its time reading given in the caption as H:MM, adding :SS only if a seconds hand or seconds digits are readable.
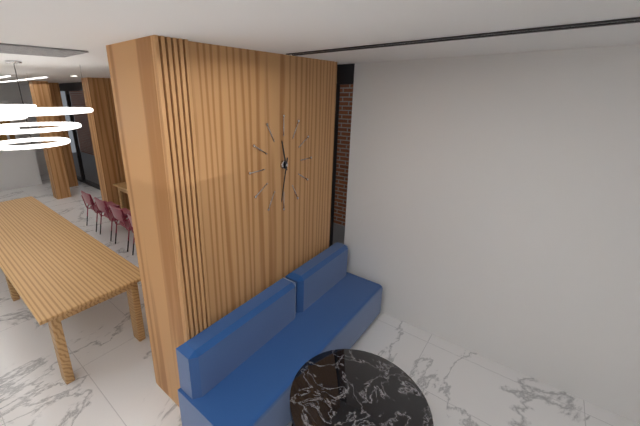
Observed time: 11:32
